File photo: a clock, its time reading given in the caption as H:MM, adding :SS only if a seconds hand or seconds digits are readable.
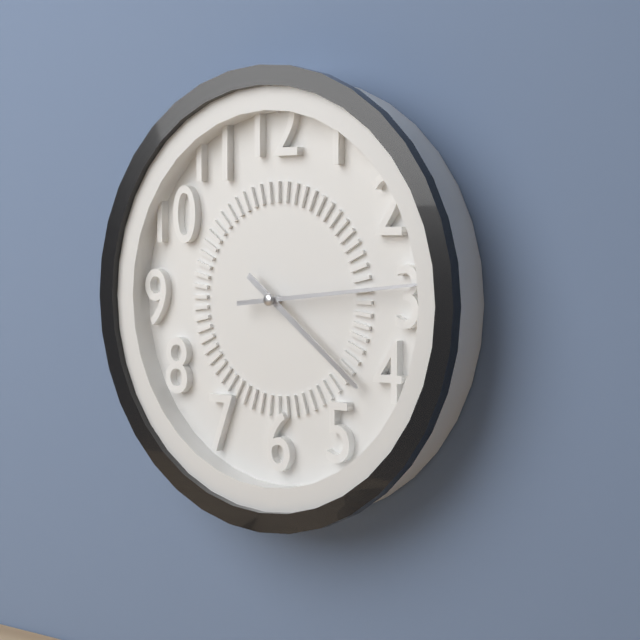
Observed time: 4:14
